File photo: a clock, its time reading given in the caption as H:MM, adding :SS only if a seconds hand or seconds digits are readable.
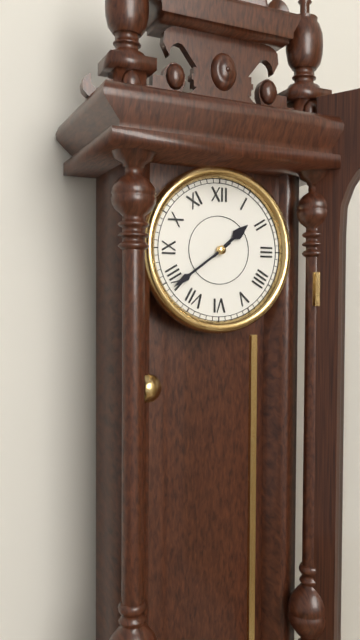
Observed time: 1:39
